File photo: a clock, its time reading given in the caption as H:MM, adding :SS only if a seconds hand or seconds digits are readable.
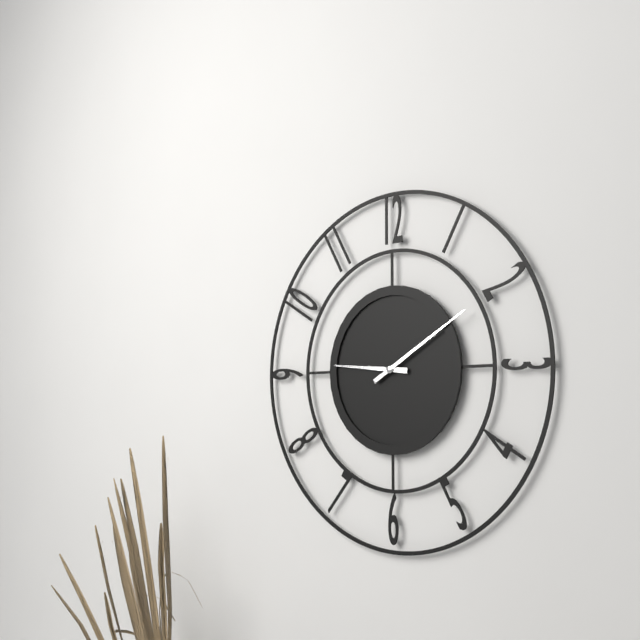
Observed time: 9:10
